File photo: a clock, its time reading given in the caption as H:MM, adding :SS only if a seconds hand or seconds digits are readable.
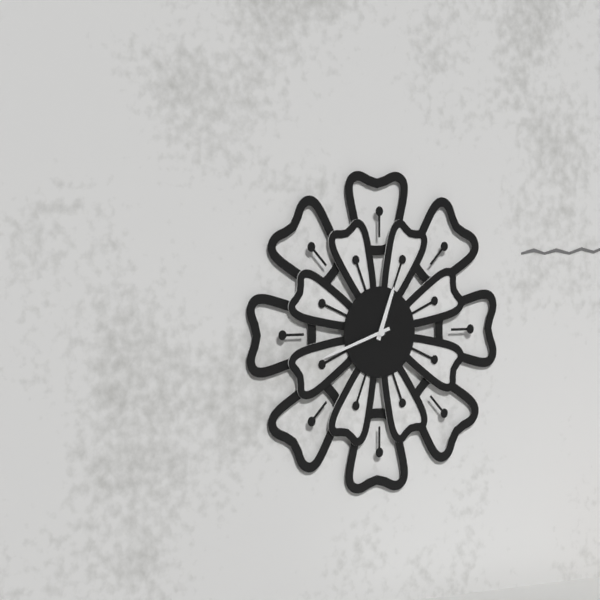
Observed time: 12:42
